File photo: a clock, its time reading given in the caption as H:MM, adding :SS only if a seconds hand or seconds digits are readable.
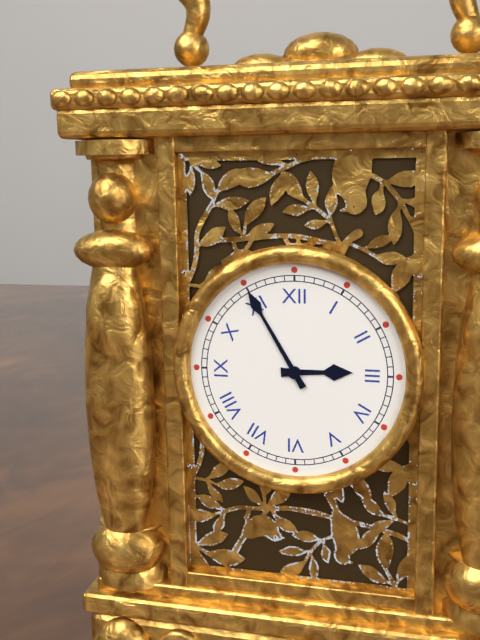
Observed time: 2:55
